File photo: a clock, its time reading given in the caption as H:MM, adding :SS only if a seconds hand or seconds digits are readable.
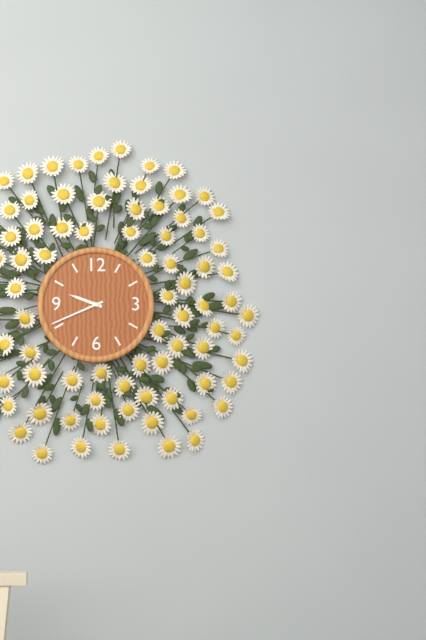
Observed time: 9:41
